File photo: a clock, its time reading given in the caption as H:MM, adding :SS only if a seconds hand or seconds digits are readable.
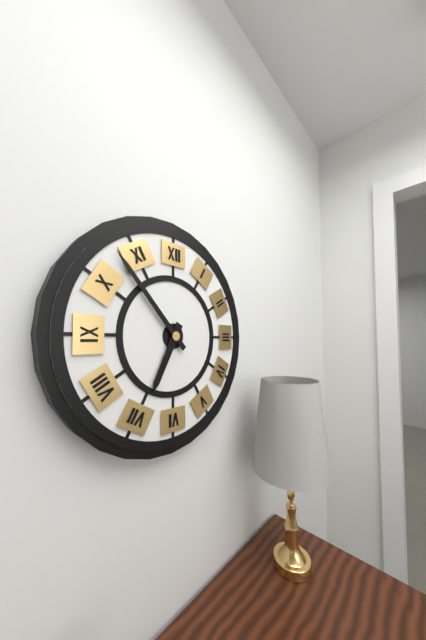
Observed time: 6:53
